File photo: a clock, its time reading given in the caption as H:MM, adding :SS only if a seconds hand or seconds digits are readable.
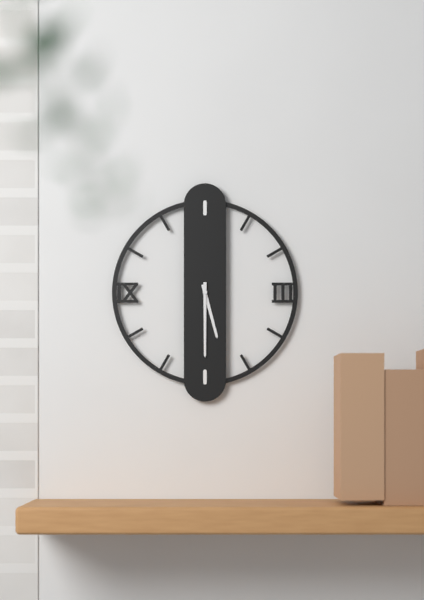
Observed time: 5:30
